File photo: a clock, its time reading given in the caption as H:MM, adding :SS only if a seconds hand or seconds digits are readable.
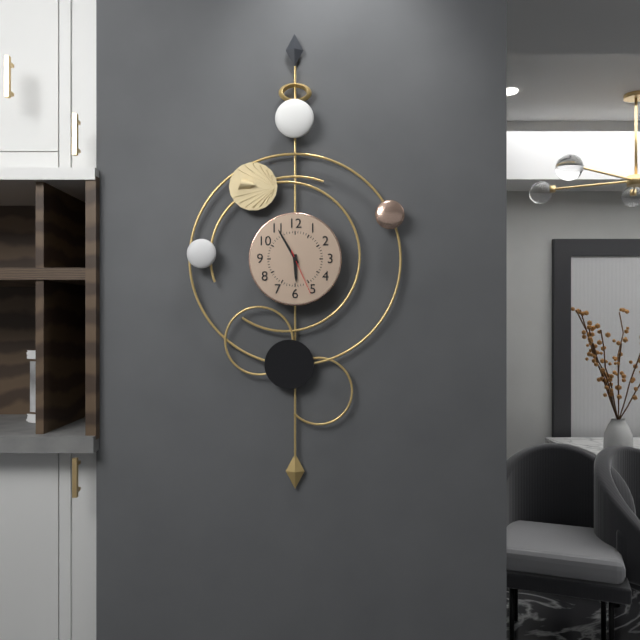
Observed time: 5:55
